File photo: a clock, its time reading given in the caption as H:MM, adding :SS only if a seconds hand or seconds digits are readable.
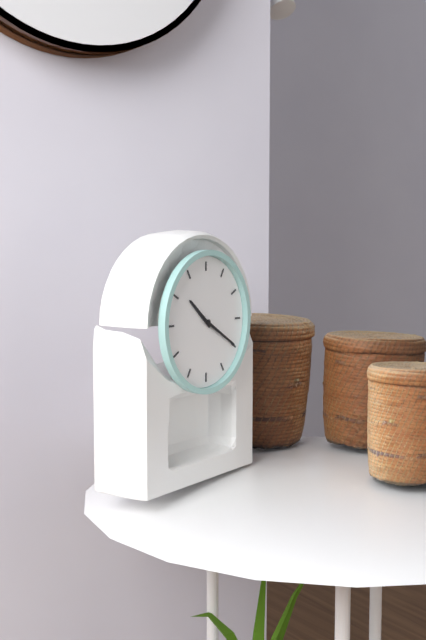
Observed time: 10:20
